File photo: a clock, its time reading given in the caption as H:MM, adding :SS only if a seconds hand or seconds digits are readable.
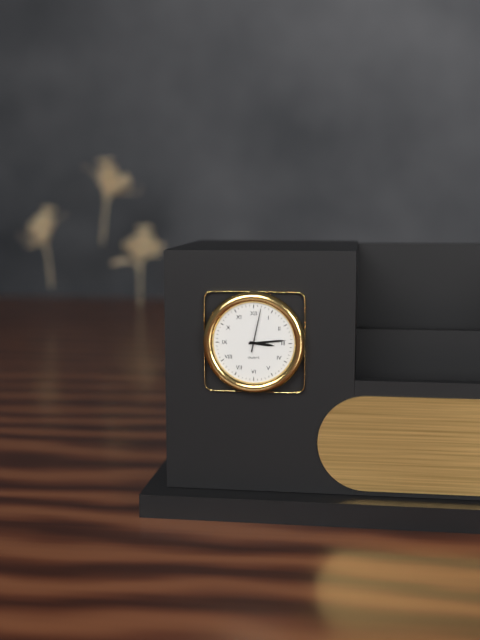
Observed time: 3:14
